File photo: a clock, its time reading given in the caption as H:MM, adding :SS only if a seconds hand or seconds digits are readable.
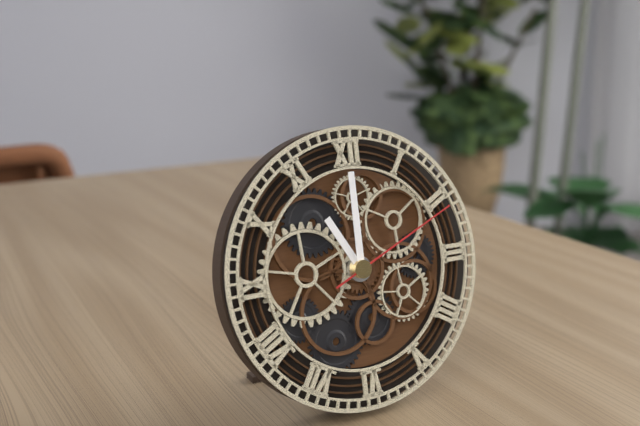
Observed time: 11:00:11
